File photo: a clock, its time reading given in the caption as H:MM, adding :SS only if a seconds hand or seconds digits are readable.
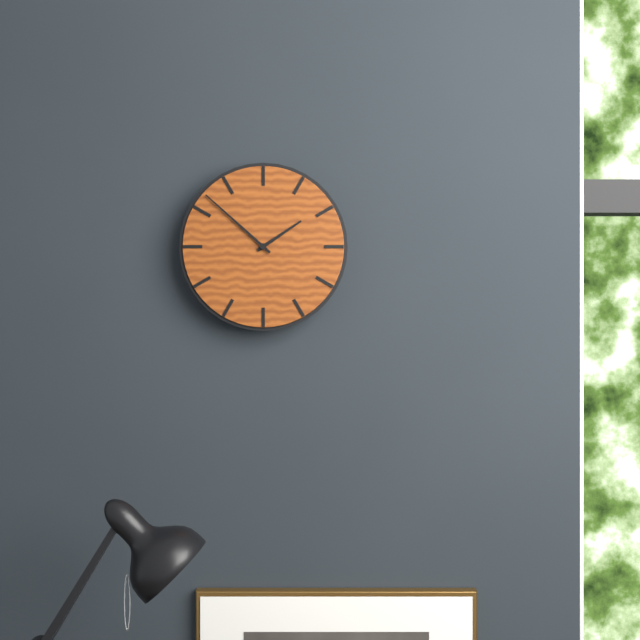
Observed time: 1:52
